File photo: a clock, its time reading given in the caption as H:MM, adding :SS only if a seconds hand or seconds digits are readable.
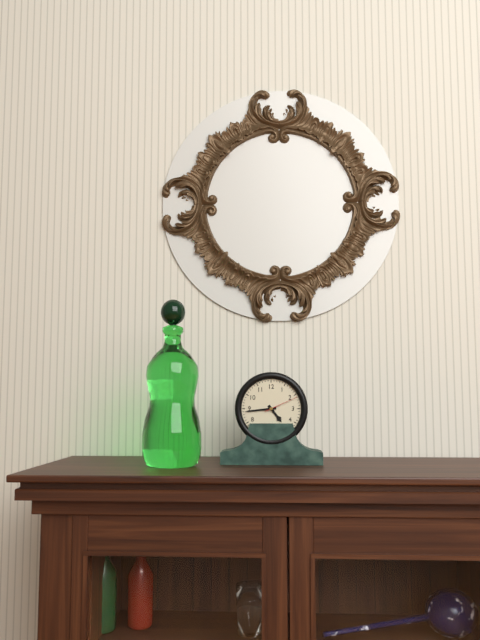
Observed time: 4:44
